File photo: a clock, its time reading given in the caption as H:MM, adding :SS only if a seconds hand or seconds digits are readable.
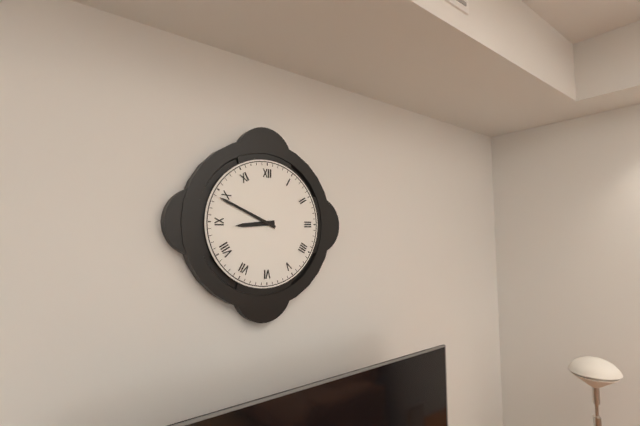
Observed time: 8:49
